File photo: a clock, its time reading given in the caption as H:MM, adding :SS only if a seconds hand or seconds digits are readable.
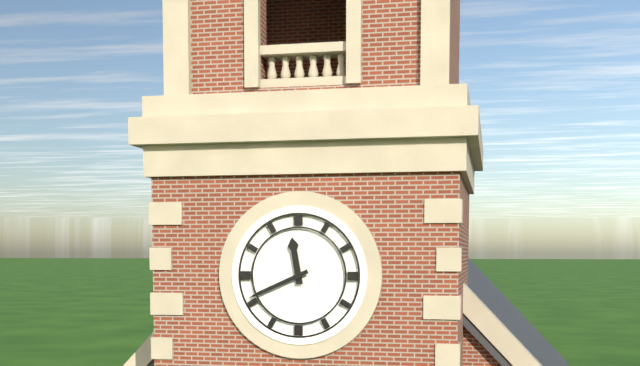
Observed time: 11:41
